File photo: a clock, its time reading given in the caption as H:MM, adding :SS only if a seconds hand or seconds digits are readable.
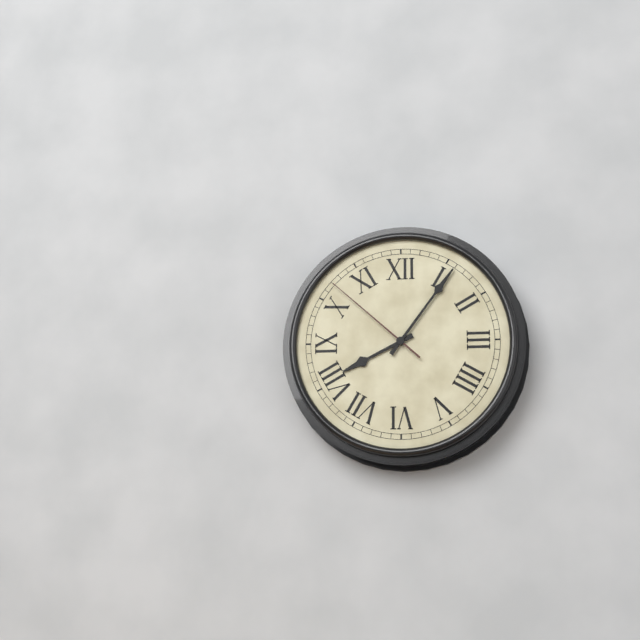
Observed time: 8:06:52
